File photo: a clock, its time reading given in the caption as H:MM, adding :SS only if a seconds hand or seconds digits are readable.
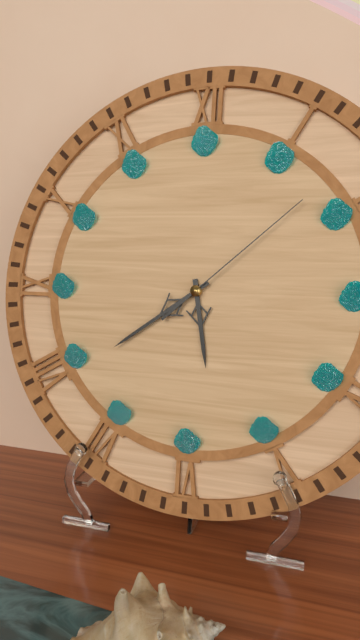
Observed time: 5:39:08
